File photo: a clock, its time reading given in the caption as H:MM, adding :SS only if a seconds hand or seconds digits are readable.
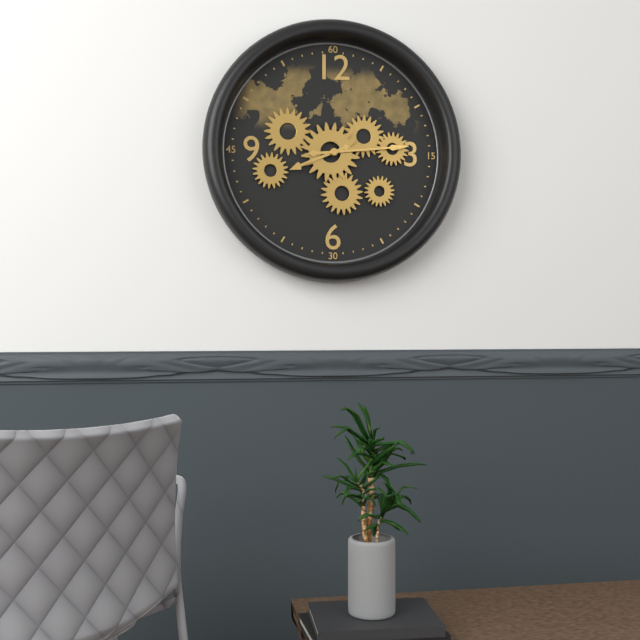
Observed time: 8:14
